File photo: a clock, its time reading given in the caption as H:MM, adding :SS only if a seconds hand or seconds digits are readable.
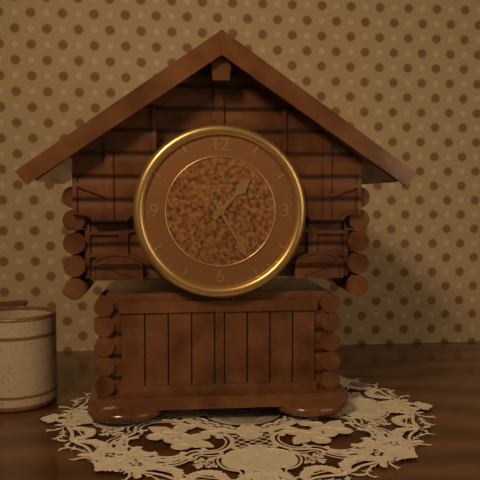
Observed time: 1:25
